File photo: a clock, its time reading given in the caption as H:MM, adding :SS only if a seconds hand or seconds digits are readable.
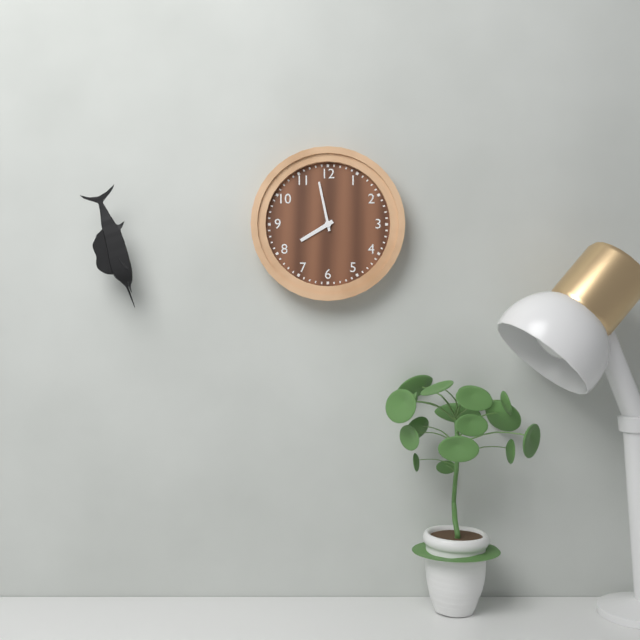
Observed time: 7:58
